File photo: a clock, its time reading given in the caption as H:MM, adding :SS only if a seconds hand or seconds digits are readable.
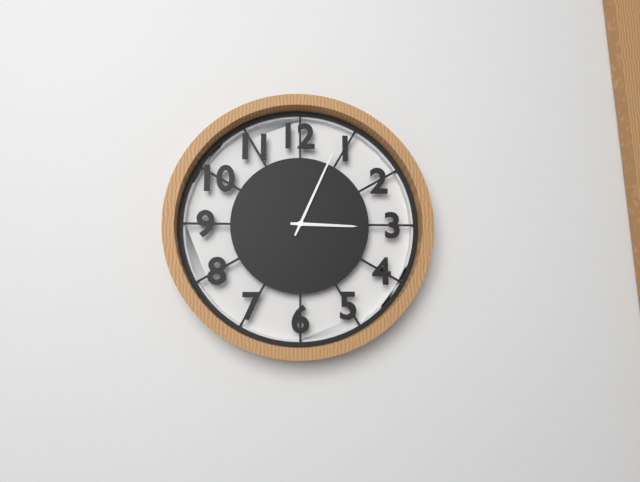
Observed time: 3:04
